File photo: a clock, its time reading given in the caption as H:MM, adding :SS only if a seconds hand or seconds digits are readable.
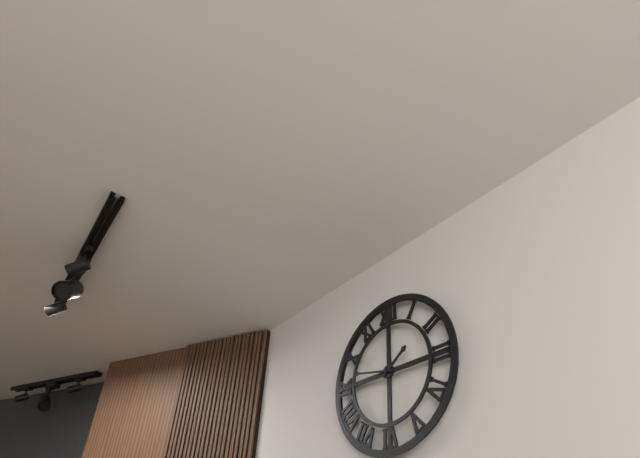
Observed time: 1:47
